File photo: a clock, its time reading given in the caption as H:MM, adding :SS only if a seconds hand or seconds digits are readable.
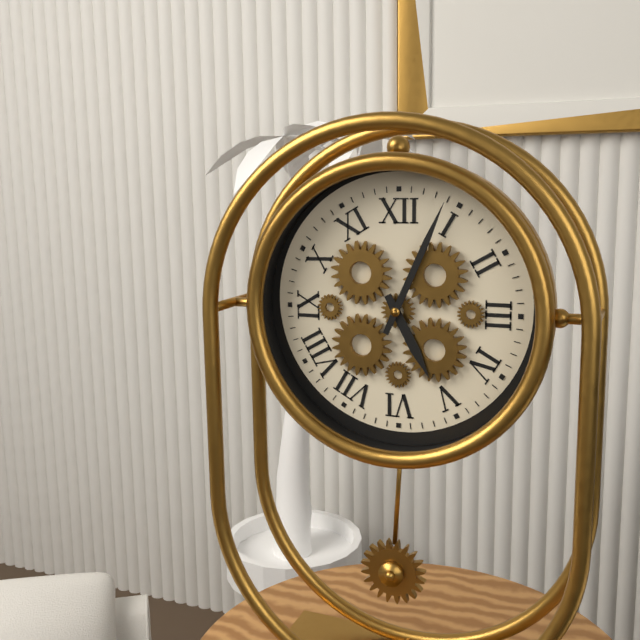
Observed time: 5:04
